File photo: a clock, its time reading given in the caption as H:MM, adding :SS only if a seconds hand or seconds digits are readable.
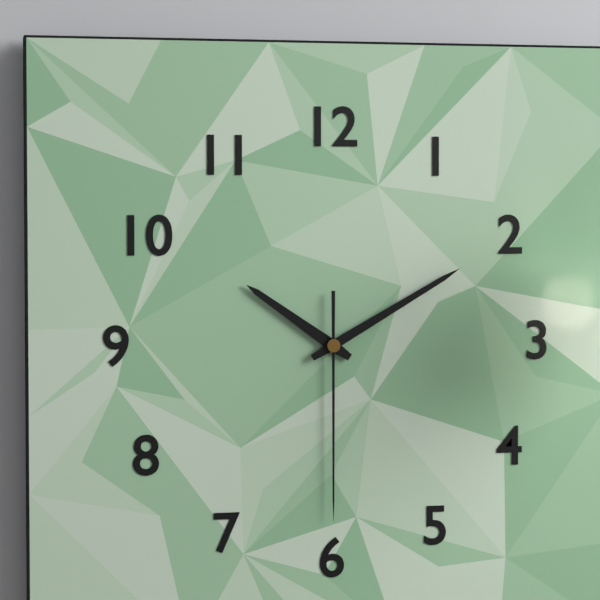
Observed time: 10:10:30
